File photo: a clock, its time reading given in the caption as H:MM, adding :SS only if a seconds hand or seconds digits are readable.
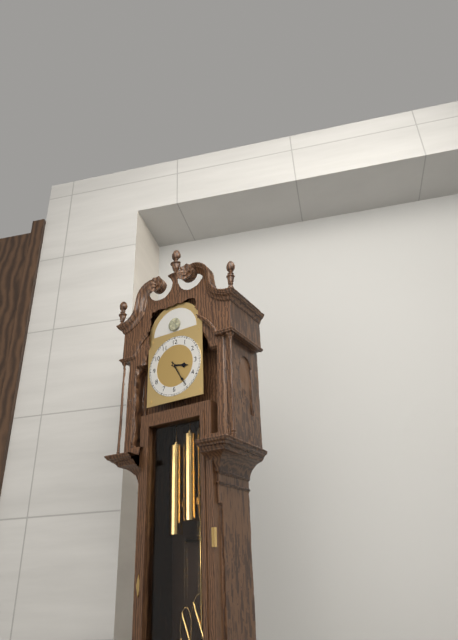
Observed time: 3:25
